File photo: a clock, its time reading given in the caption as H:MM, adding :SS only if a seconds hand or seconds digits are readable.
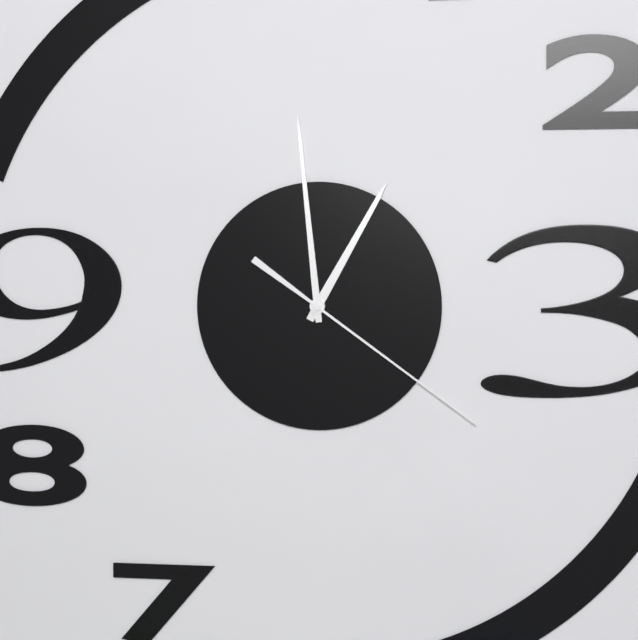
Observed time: 12:59:21
